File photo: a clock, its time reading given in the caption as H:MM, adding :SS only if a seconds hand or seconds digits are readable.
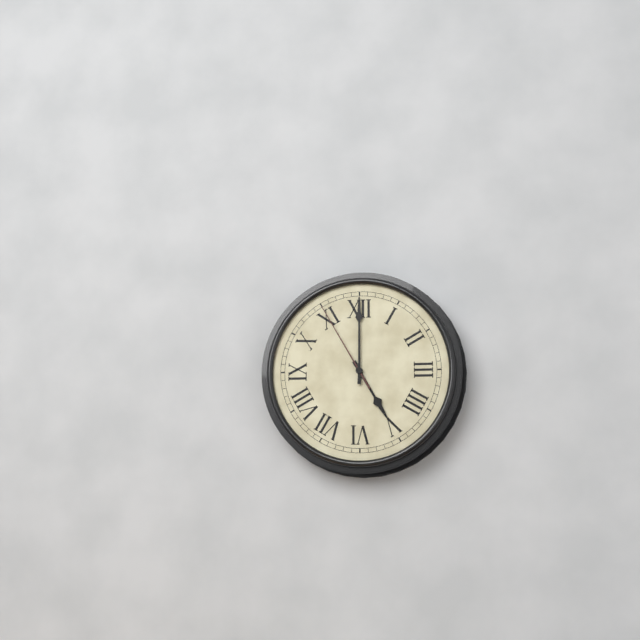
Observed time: 5:00:55
